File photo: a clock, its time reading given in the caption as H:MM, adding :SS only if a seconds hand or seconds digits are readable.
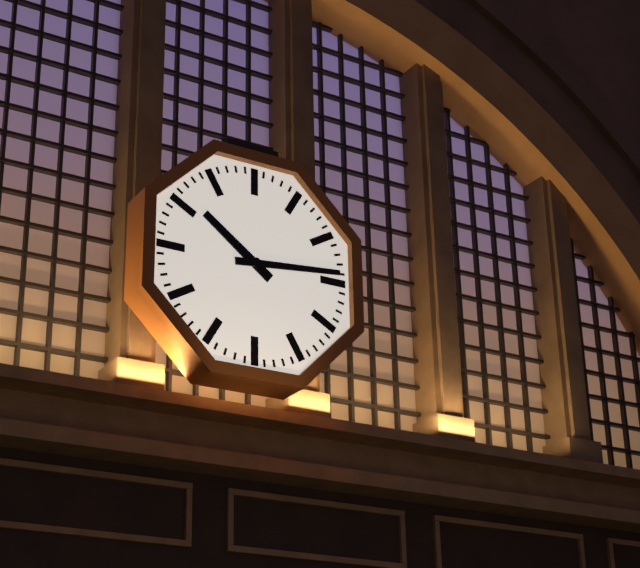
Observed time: 10:14
